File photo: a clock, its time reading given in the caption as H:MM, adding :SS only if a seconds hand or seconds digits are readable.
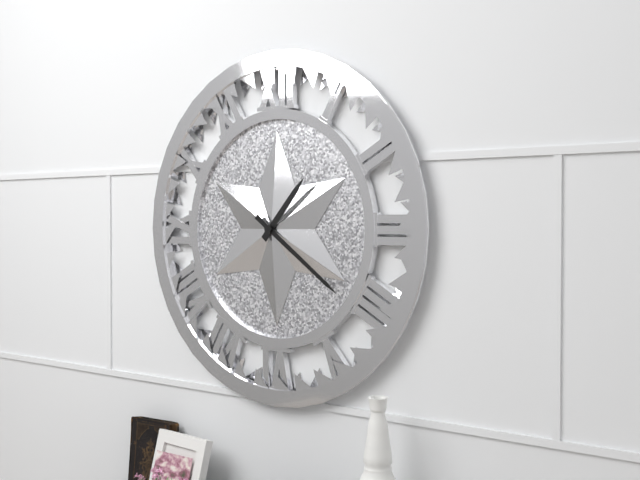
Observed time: 1:21
